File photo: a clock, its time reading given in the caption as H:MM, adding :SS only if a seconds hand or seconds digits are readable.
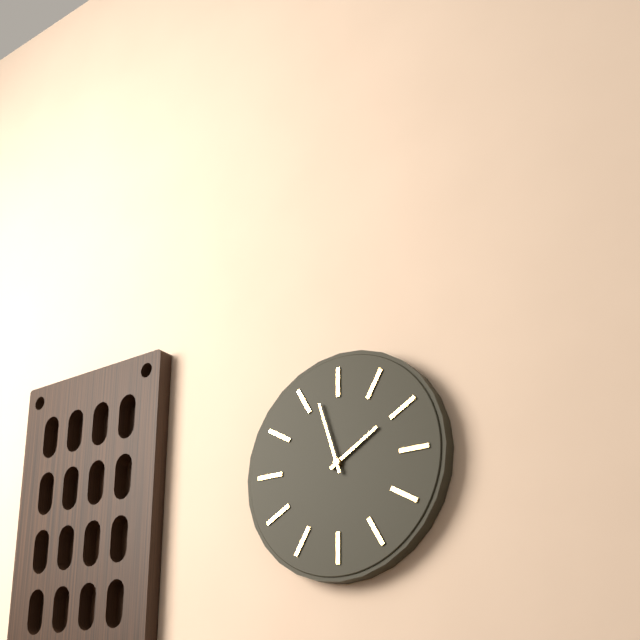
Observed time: 1:57
